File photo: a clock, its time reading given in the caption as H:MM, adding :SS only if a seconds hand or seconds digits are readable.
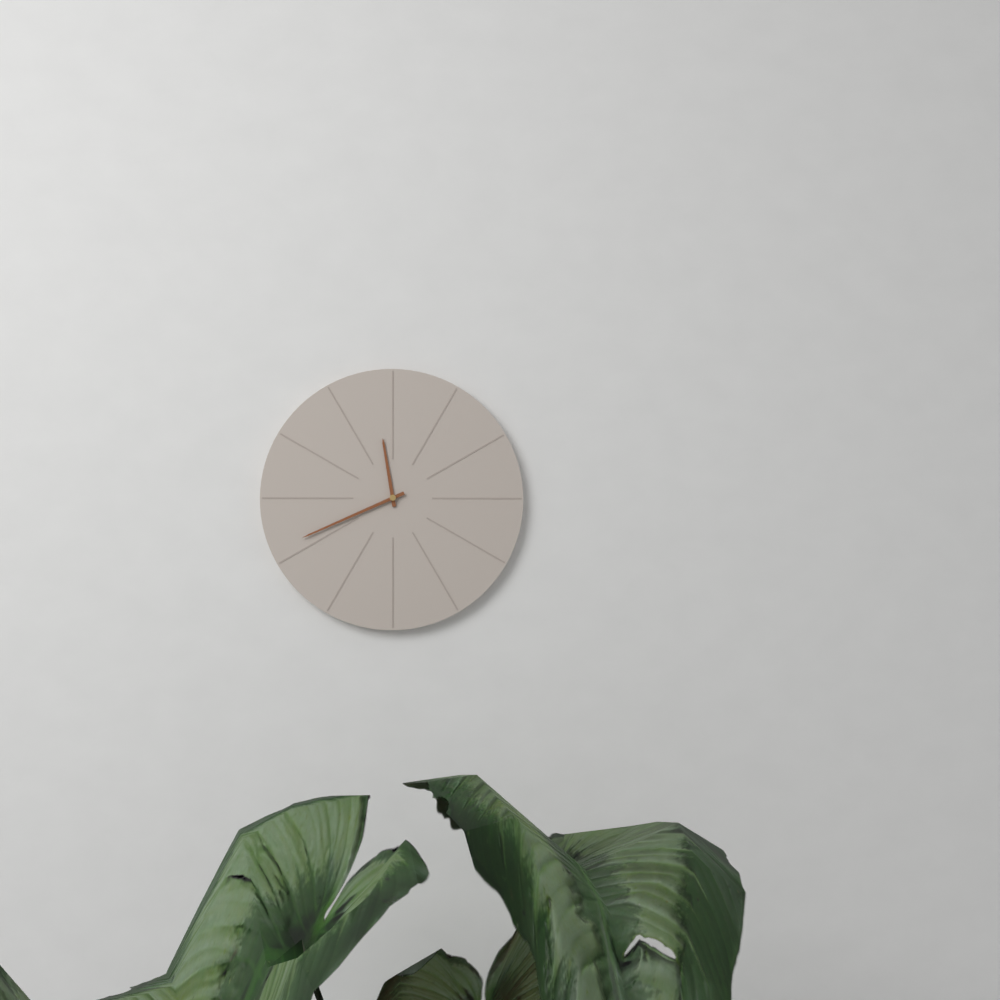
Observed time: 11:41
